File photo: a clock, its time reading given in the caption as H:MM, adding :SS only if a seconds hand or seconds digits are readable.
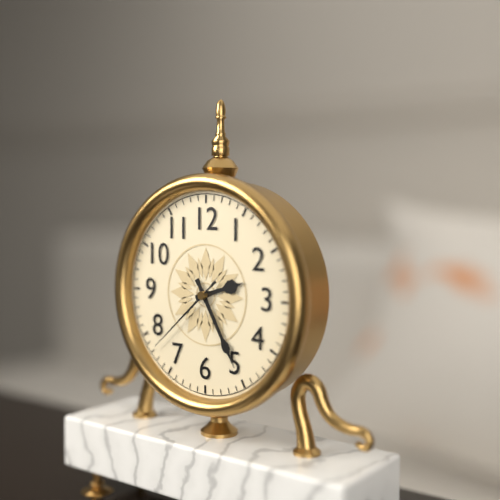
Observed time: 2:25:38
